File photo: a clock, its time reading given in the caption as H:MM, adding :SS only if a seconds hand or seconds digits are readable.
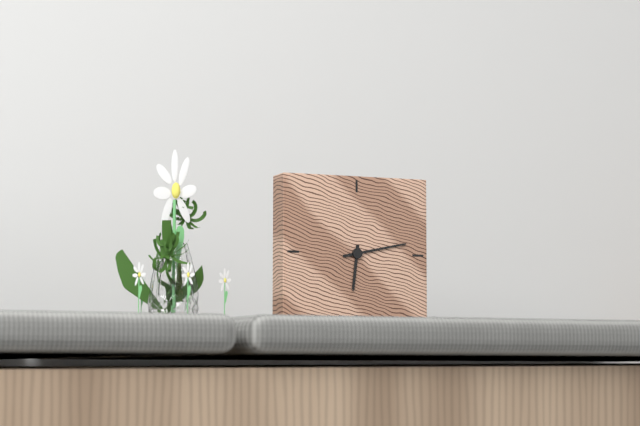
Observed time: 6:13
